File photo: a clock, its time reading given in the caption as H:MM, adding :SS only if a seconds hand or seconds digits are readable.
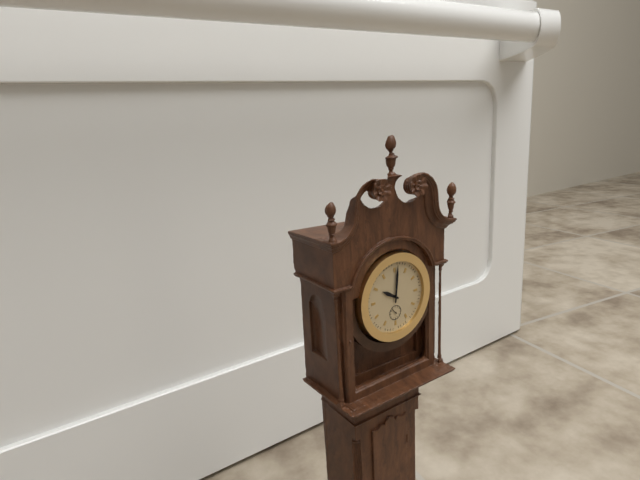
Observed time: 10:01
